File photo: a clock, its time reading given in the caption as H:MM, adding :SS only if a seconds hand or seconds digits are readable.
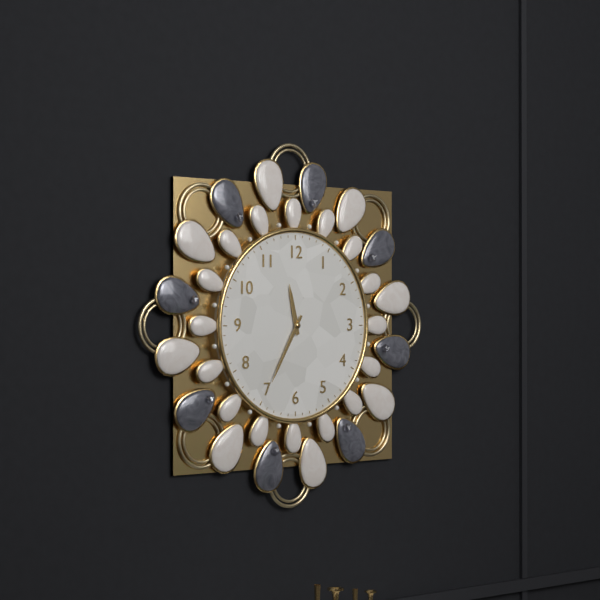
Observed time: 11:35
